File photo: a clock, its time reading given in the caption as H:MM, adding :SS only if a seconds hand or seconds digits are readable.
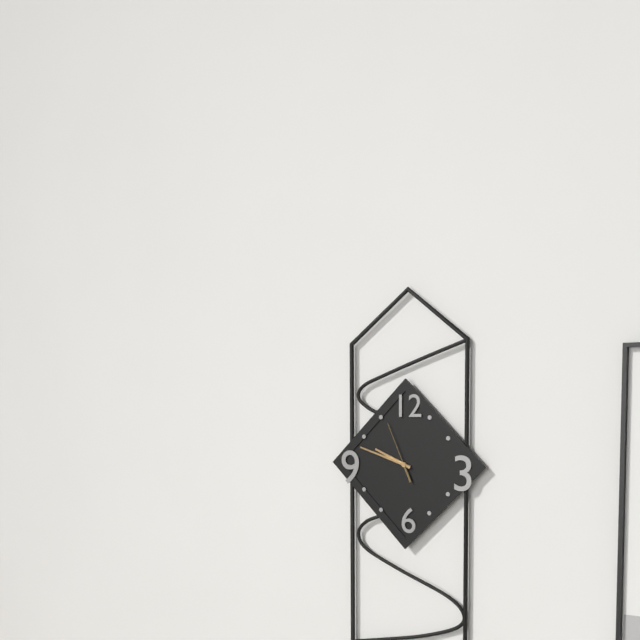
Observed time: 9:48:56
